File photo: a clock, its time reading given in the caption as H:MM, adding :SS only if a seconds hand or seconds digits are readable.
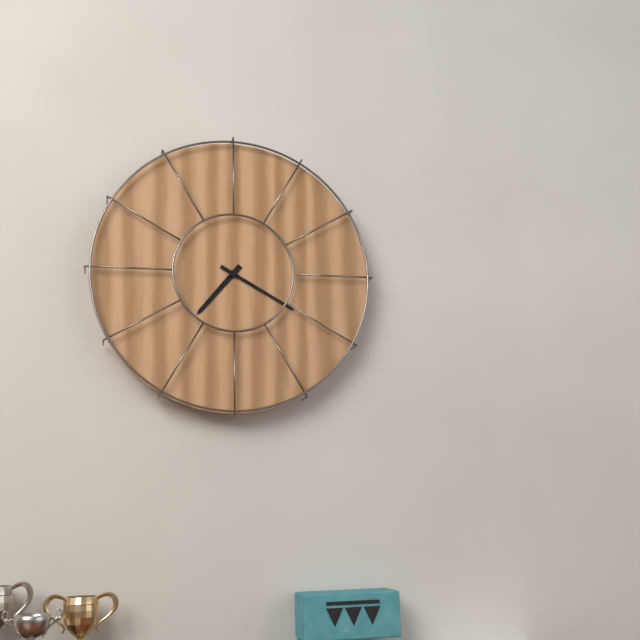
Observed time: 7:20
